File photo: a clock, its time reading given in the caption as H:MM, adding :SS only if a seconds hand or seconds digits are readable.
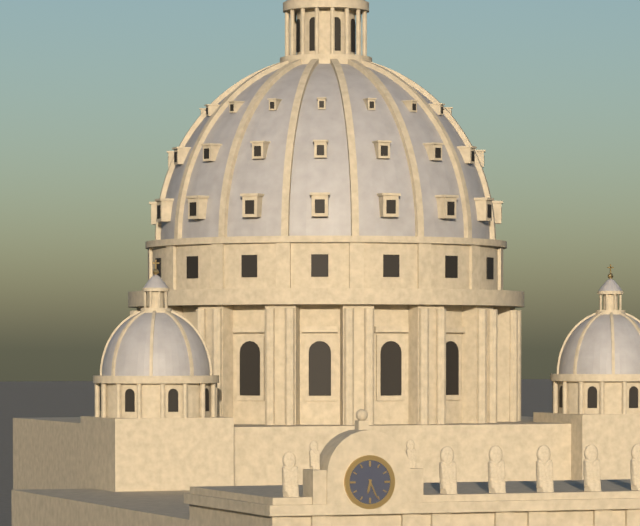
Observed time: 6:26
